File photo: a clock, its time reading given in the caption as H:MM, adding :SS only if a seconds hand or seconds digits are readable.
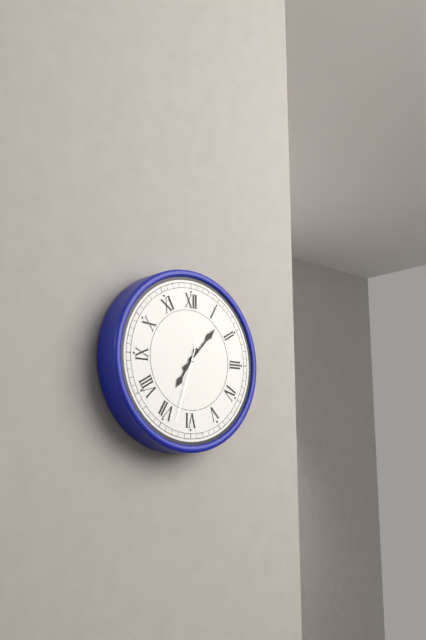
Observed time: 7:07:33
